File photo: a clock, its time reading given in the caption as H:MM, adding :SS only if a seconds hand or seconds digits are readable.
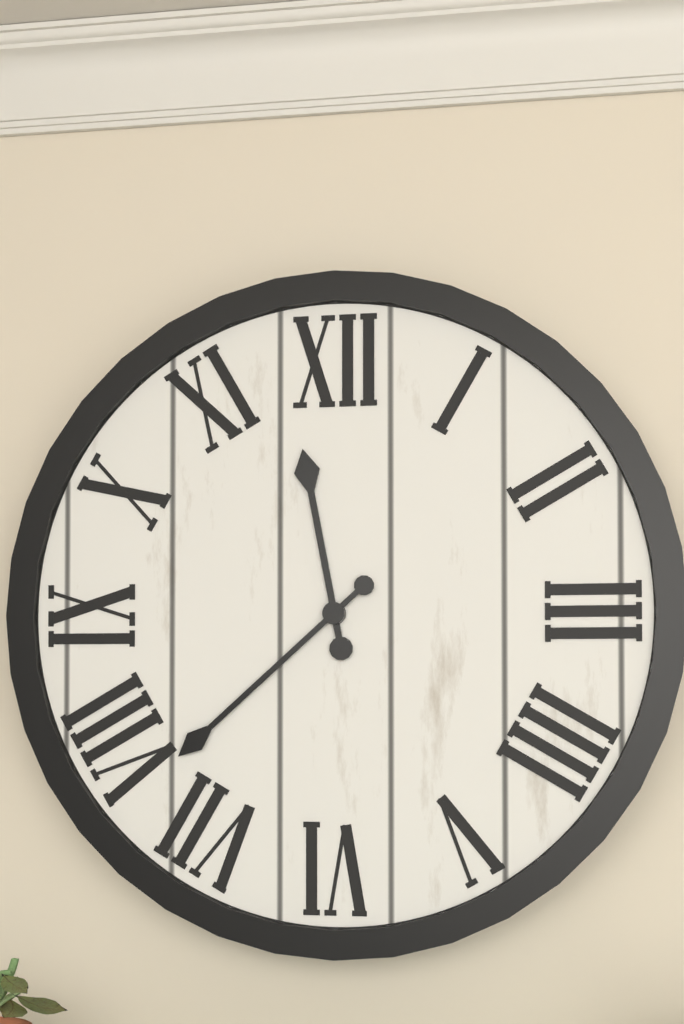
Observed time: 11:38
